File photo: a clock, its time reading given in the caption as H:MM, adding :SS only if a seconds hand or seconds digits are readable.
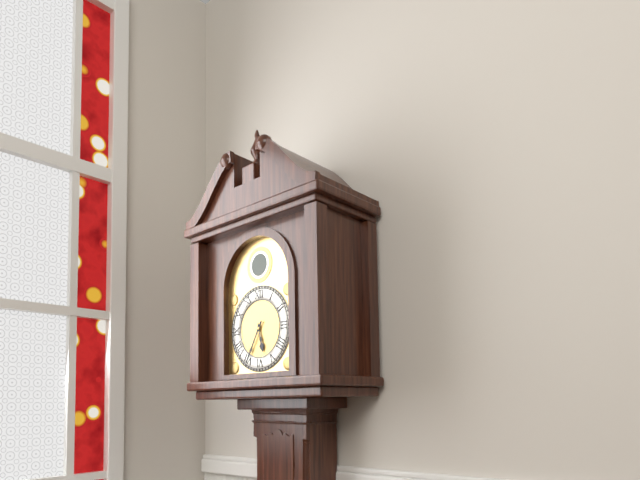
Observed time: 5:35
